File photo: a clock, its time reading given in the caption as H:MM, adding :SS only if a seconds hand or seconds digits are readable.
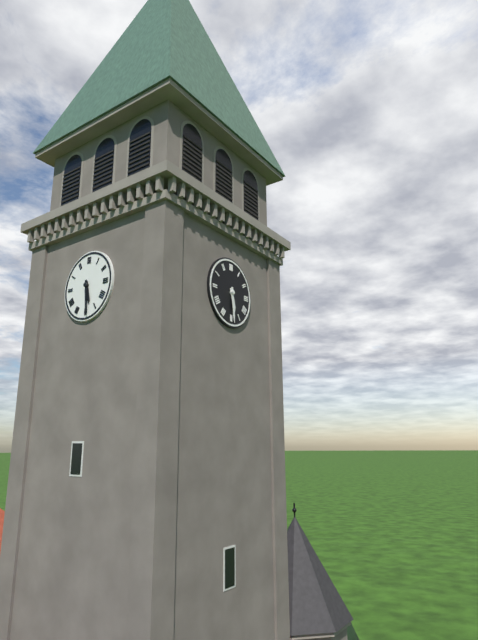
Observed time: 5:29
